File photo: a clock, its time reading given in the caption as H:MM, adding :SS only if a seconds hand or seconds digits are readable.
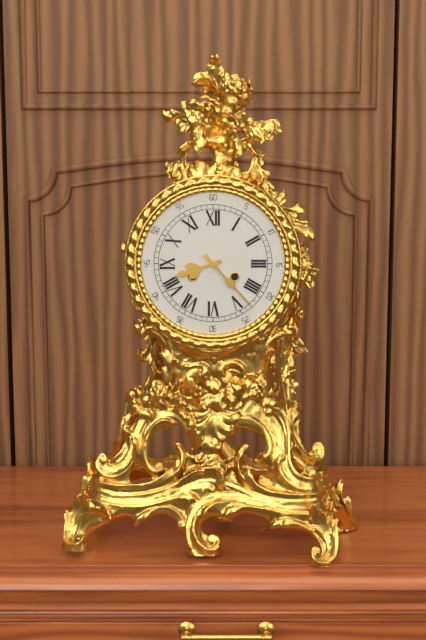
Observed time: 8:23
